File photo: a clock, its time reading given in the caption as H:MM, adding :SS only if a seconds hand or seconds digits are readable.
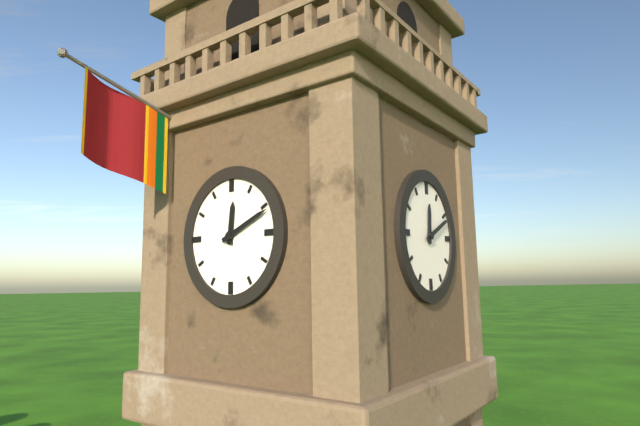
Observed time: 12:11
